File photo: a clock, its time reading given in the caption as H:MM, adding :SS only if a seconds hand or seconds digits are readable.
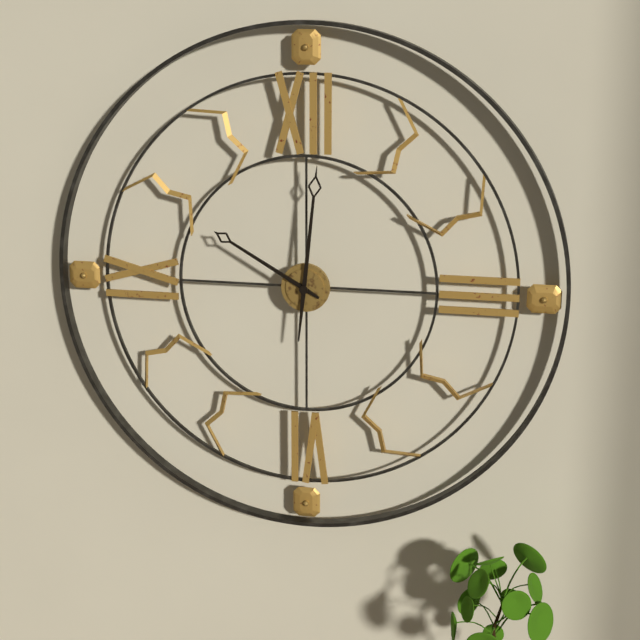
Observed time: 10:01
